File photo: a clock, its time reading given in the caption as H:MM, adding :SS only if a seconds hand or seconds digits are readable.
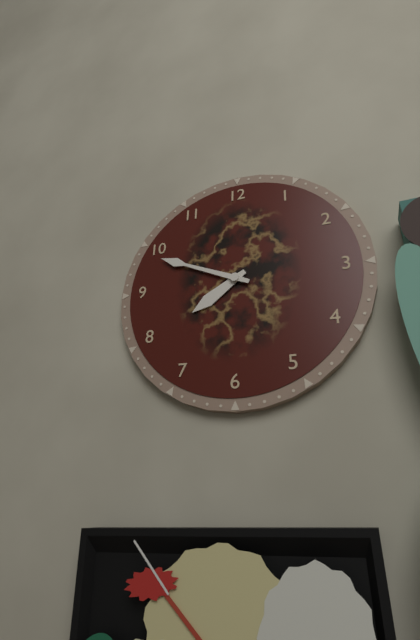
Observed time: 7:49
